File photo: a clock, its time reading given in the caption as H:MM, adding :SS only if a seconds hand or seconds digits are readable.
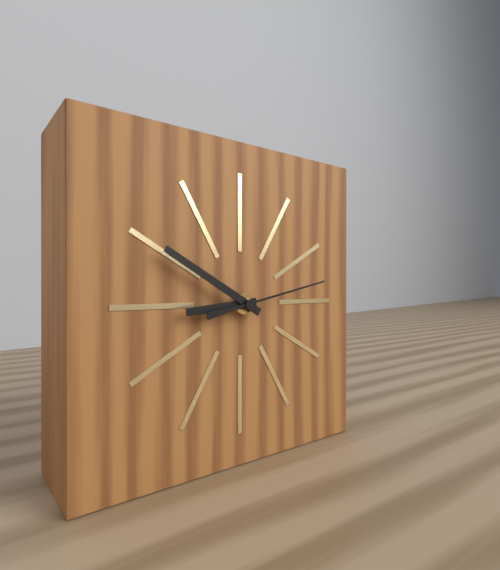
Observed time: 8:50:13
